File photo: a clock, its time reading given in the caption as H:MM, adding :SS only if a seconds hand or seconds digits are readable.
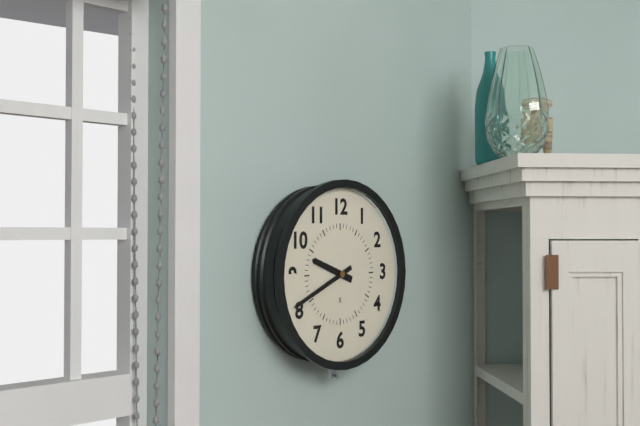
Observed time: 9:41
